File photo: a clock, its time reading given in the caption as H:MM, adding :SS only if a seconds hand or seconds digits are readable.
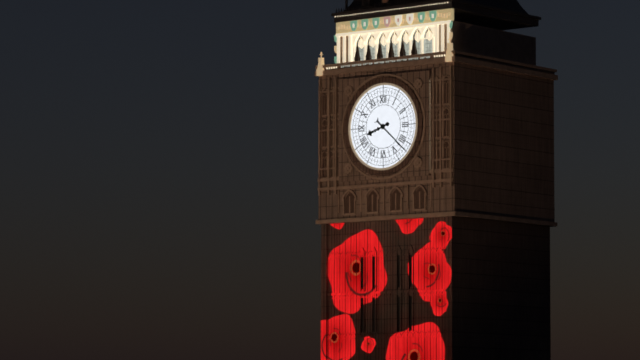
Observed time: 8:22
